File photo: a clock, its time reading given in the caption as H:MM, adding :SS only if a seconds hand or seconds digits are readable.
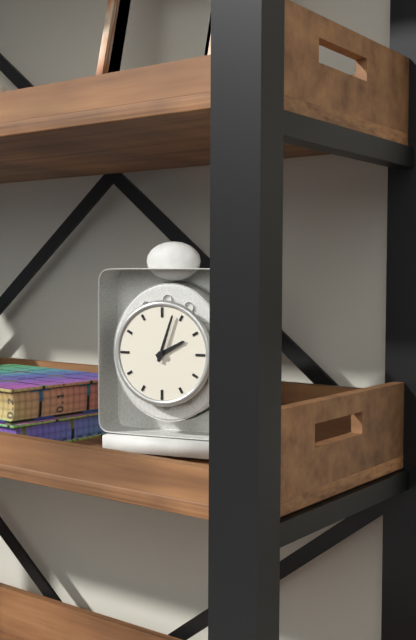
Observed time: 2:03
